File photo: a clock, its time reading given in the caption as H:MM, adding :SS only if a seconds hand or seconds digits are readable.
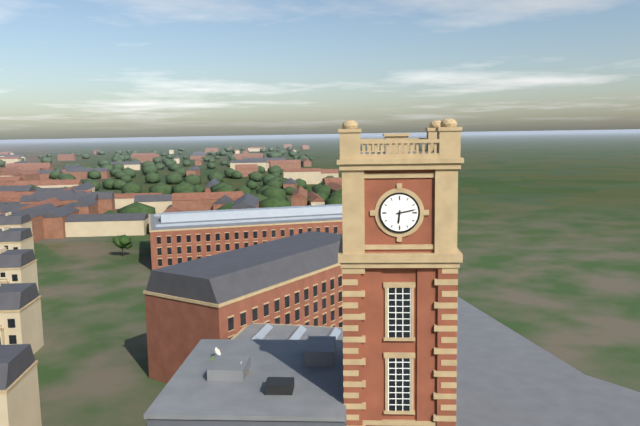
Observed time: 6:13
